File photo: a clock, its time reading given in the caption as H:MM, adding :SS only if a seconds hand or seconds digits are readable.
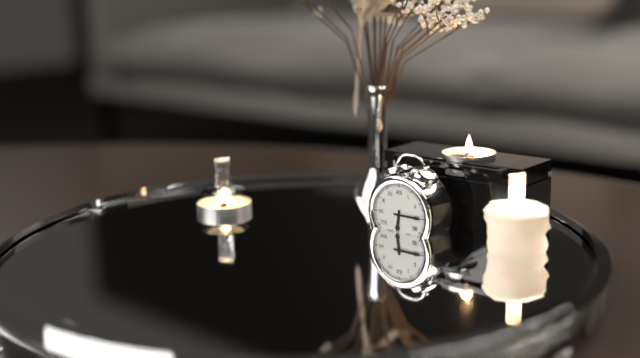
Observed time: 6:15
